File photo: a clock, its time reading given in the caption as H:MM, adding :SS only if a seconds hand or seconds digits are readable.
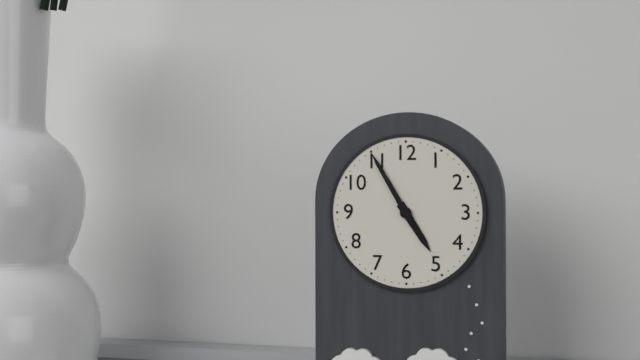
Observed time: 4:55
